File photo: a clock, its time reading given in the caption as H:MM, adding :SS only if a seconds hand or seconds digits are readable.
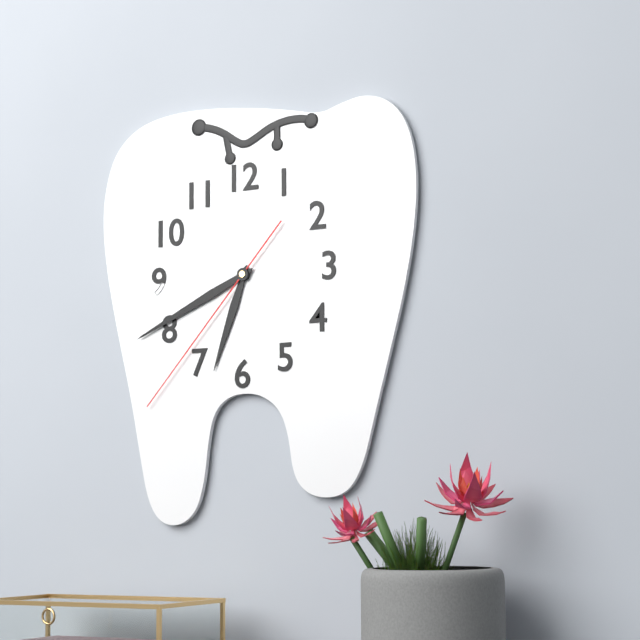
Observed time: 6:41:37
